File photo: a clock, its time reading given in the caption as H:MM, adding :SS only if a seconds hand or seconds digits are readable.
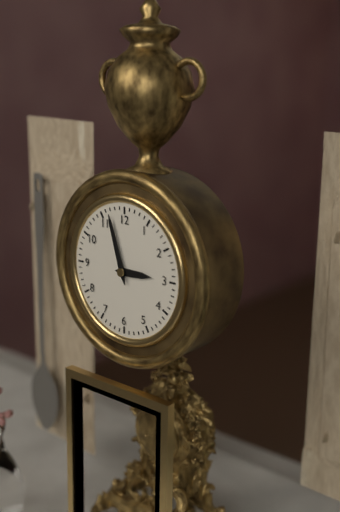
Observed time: 2:57
